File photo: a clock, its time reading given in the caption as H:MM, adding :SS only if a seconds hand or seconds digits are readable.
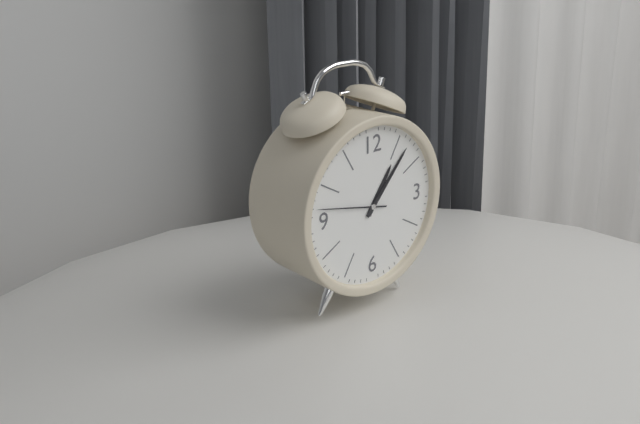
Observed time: 1:07:47
